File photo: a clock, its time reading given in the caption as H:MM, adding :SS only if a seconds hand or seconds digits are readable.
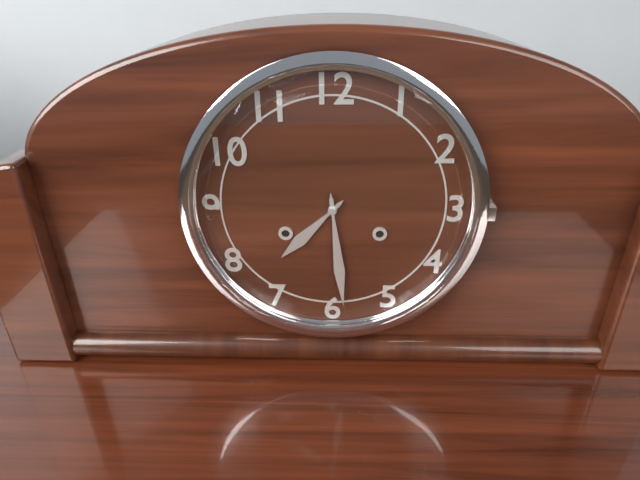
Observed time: 7:29
